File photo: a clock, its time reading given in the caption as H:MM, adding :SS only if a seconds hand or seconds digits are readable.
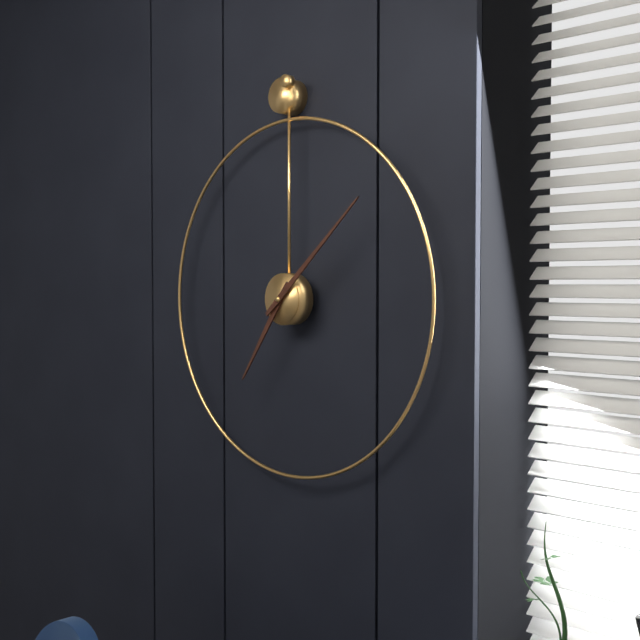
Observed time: 7:08
